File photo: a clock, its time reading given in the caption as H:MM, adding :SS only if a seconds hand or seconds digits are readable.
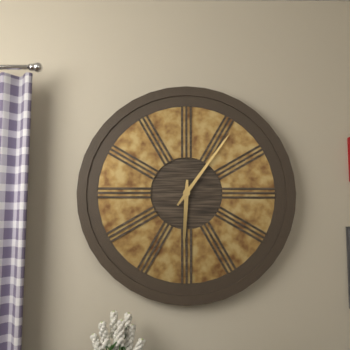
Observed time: 6:06
